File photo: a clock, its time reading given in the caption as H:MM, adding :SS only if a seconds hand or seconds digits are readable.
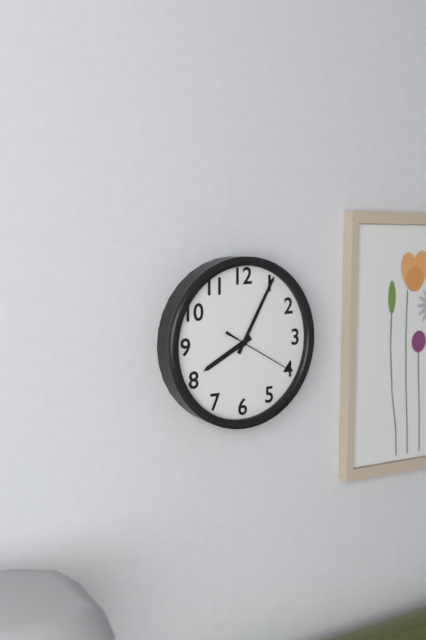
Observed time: 8:05:20
